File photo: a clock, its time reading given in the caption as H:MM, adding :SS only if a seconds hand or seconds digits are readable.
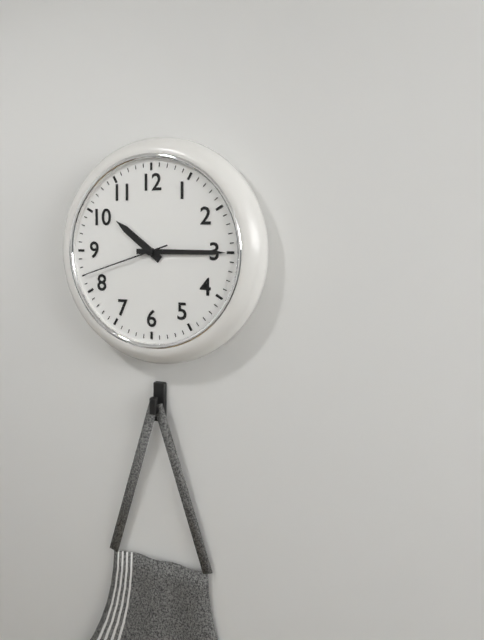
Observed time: 10:15:42
